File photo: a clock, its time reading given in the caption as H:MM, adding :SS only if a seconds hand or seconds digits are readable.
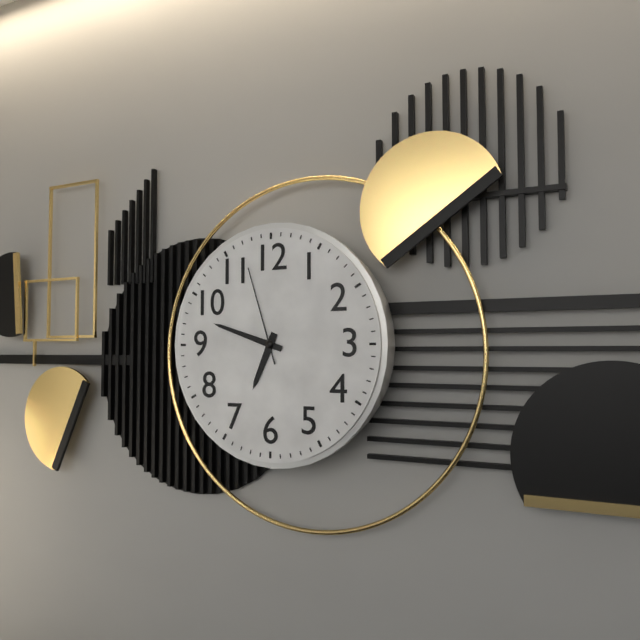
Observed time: 6:48:57
